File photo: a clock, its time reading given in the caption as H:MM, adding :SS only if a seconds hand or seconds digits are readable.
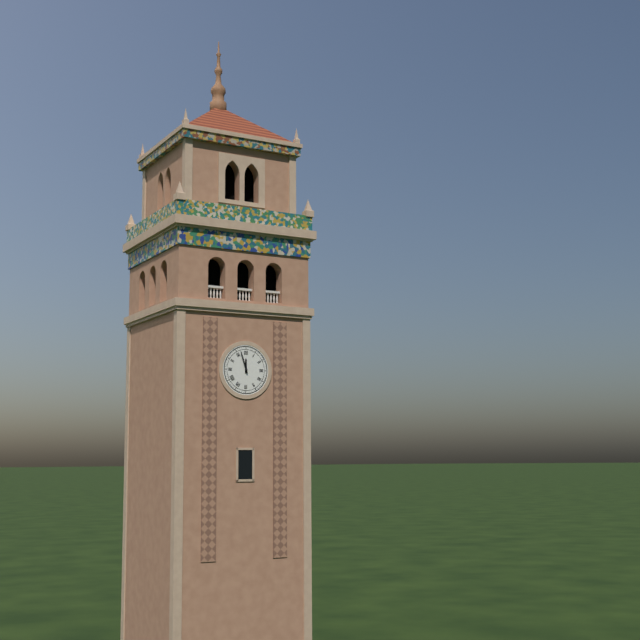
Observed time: 11:57
